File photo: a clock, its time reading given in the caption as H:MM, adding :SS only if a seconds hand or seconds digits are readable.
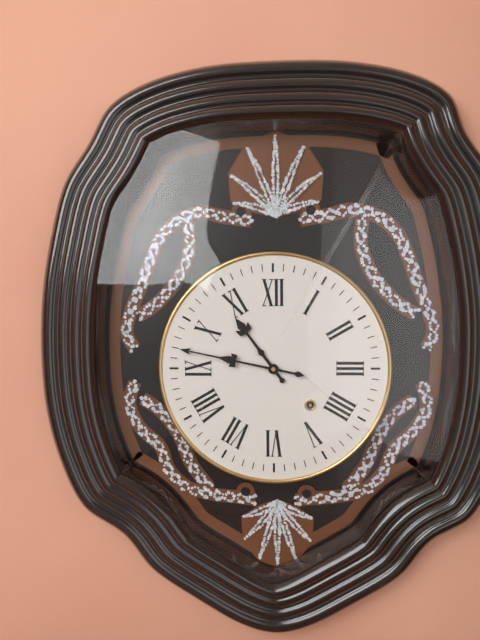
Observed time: 10:47
